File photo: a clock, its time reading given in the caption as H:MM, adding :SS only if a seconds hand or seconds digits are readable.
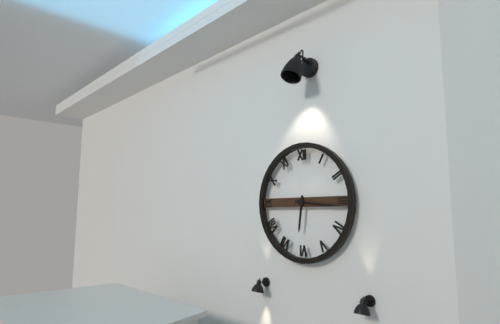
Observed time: 6:16
